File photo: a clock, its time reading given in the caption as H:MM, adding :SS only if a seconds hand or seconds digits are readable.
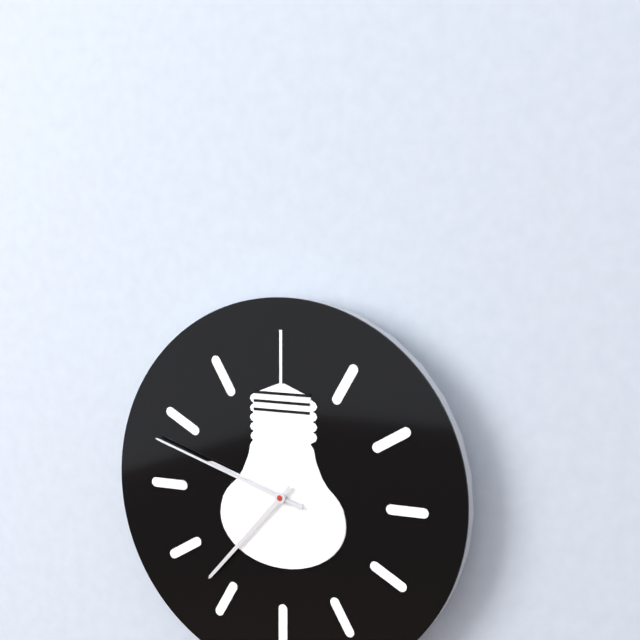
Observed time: 9:37:48
